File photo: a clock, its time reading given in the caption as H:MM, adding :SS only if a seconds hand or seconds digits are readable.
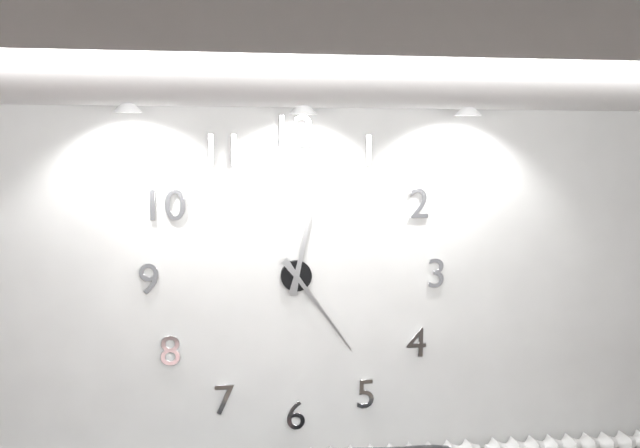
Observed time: 12:24
